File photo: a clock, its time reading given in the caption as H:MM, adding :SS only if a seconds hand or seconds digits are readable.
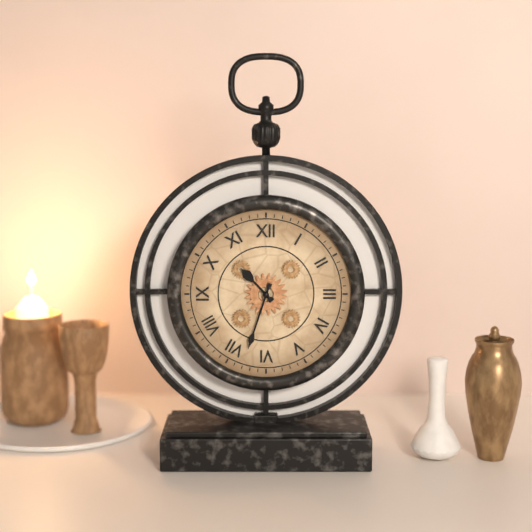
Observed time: 10:33
